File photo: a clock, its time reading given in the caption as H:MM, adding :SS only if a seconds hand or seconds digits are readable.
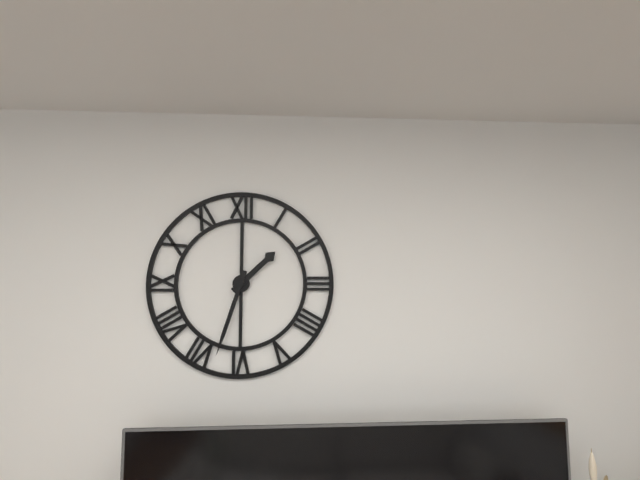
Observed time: 1:33
